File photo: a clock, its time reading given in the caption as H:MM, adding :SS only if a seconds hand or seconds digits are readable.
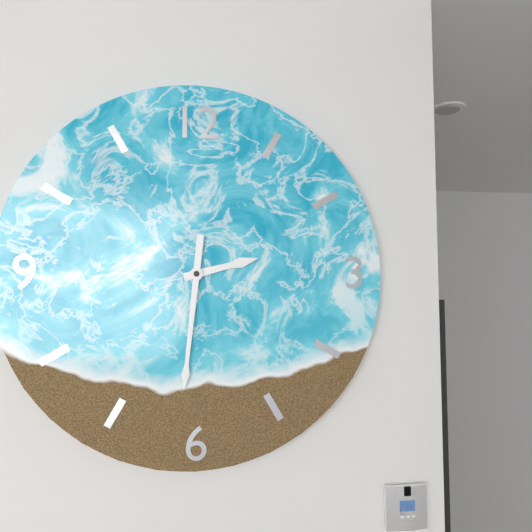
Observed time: 2:31
